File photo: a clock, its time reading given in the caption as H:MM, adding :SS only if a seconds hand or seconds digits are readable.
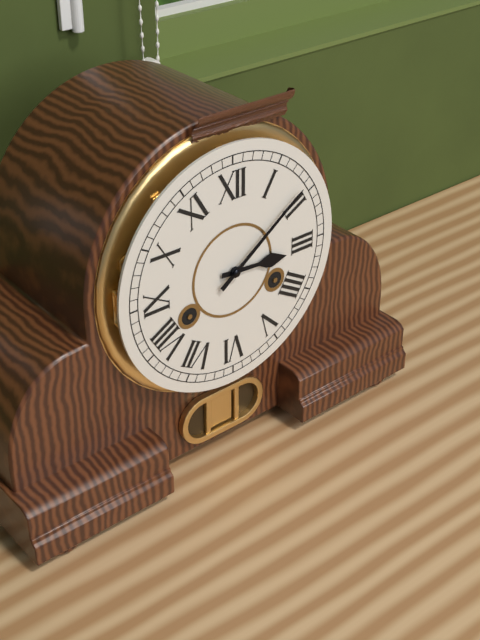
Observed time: 3:09
